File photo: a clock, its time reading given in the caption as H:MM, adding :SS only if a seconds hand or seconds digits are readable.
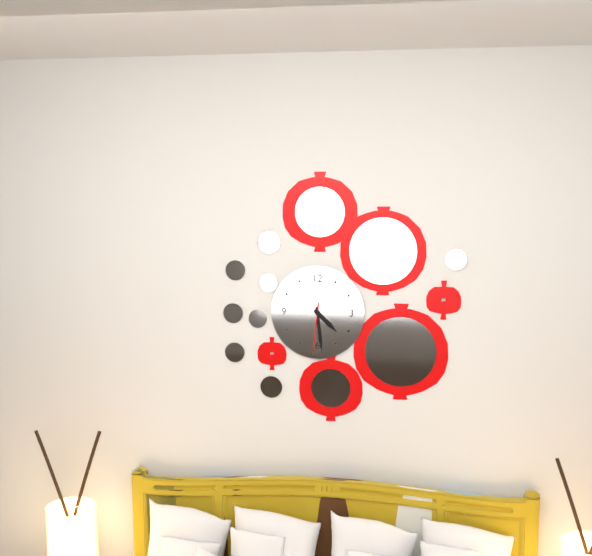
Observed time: 4:29:31
